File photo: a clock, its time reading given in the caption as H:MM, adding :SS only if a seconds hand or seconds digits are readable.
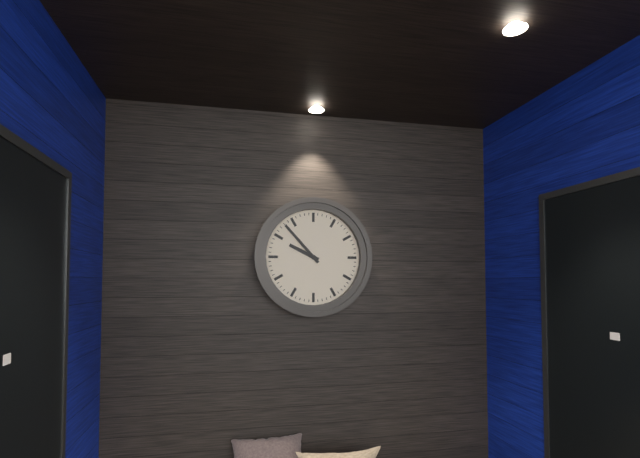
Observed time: 9:53
